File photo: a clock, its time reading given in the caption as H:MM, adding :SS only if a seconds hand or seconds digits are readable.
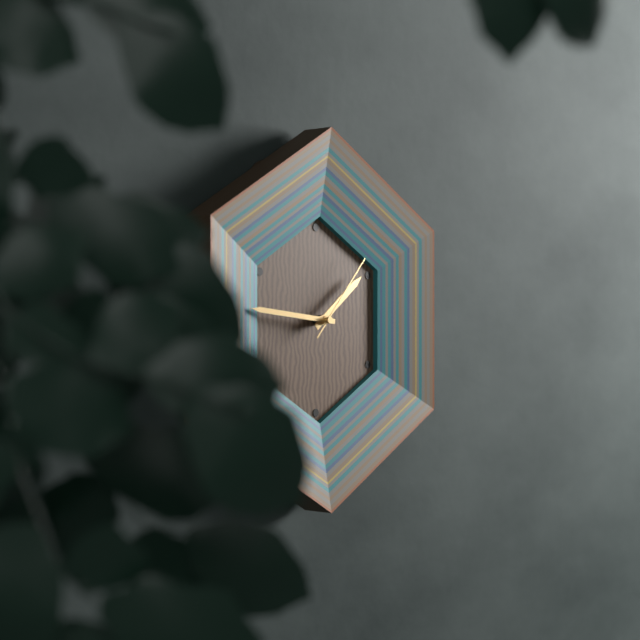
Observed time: 1:46:07
